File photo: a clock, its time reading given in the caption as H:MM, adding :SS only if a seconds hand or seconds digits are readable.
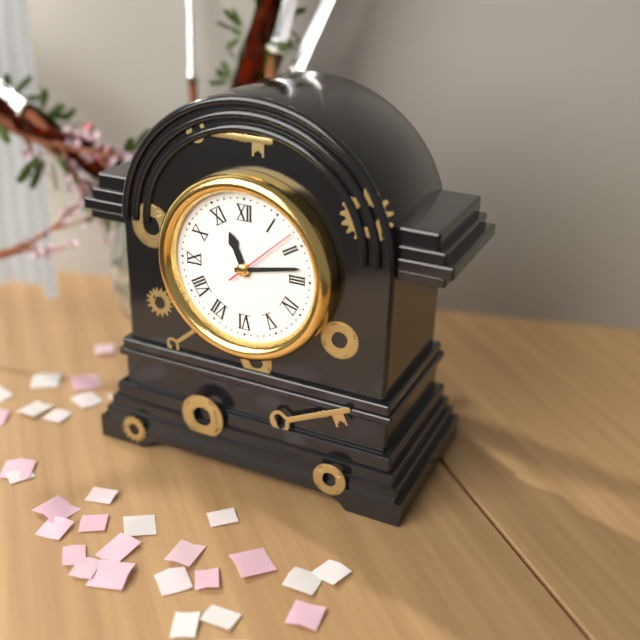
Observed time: 11:13:08
